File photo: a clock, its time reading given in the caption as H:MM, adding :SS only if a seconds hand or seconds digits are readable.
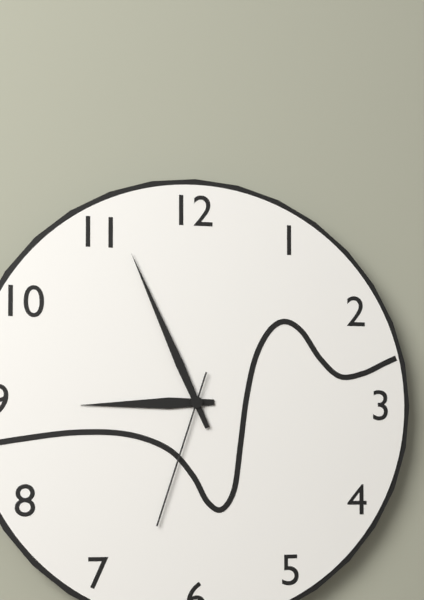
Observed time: 8:56:33
